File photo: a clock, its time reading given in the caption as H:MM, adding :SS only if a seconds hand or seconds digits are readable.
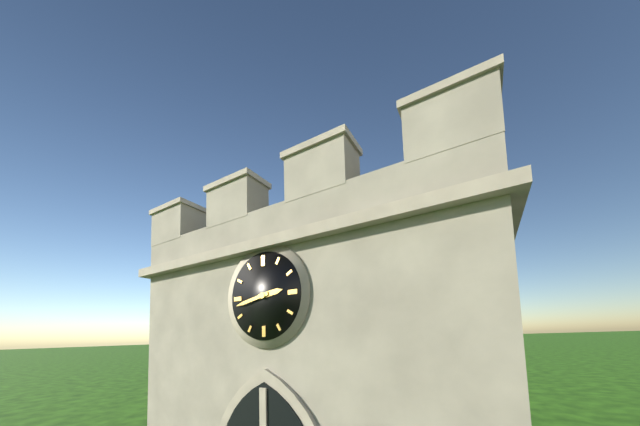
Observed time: 2:43
